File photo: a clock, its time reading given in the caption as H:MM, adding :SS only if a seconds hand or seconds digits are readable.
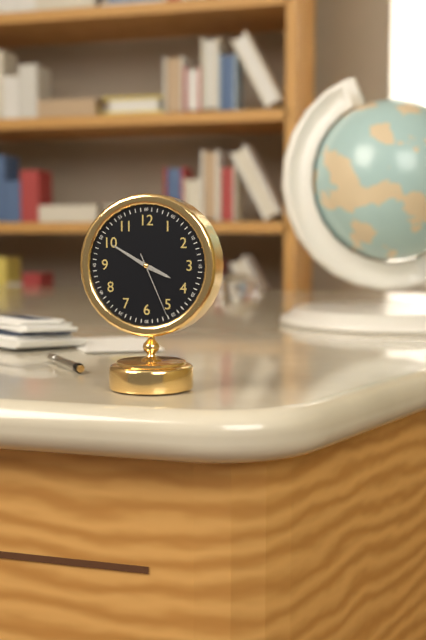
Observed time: 3:50:26
